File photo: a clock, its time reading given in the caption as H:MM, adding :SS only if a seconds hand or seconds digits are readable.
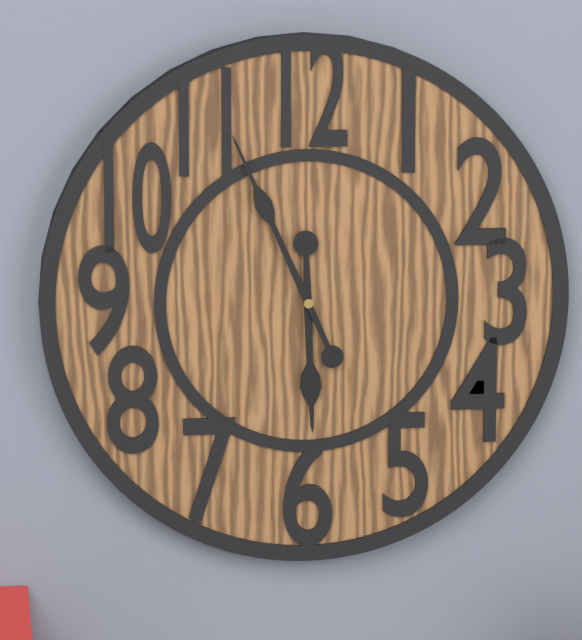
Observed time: 5:56
